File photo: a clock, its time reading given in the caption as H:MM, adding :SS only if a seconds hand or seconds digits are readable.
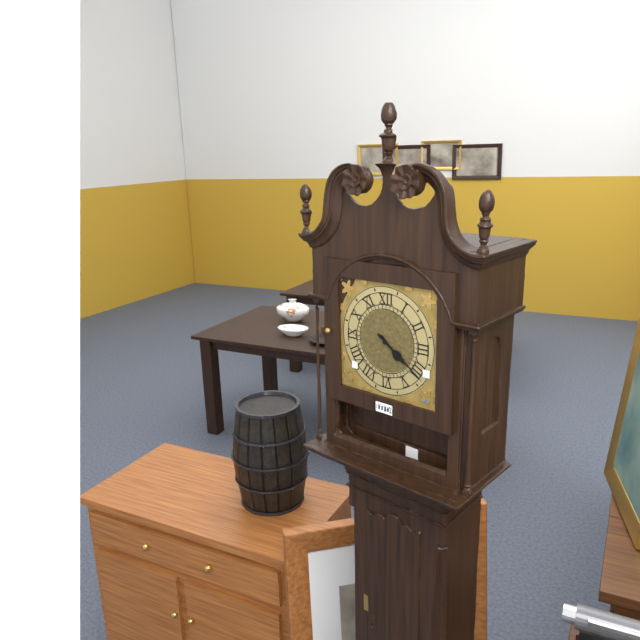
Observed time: 4:21
